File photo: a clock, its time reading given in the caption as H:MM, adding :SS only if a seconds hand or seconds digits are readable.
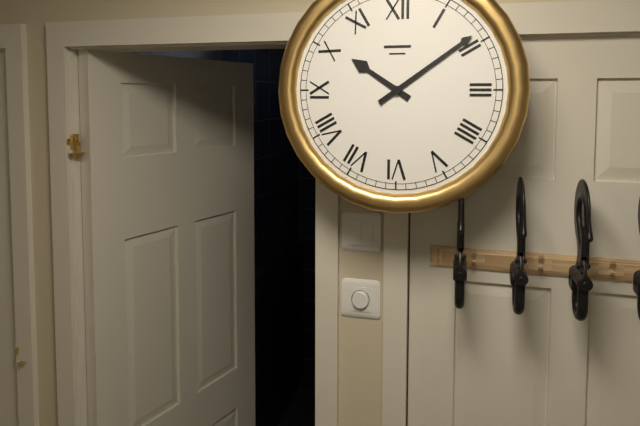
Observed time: 10:09
